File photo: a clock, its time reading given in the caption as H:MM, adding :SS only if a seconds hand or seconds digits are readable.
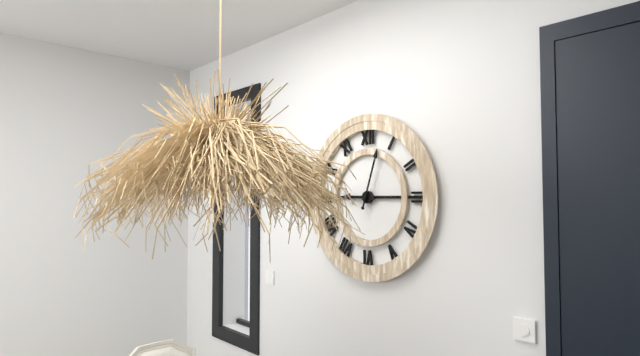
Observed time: 9:03
